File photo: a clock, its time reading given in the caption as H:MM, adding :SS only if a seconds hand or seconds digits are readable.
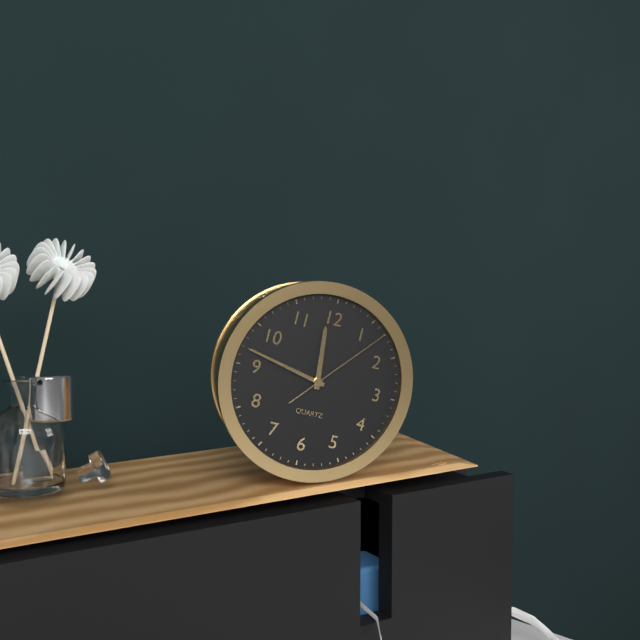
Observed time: 11:47:07
